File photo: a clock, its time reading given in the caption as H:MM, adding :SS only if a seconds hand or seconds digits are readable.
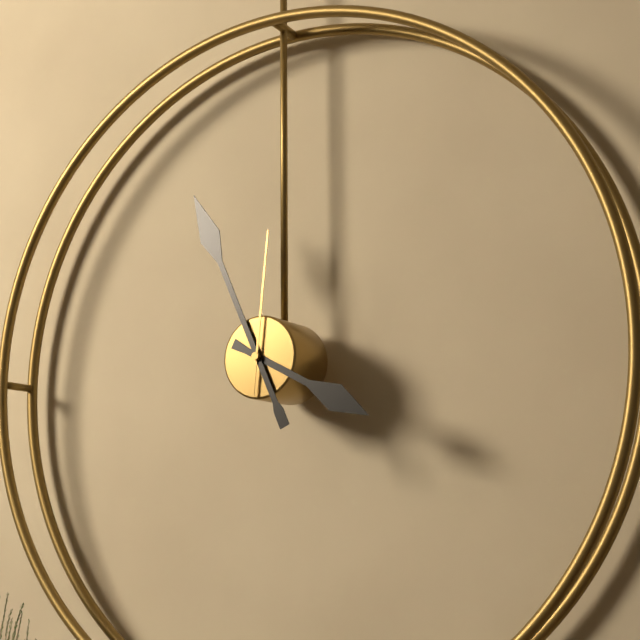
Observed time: 3:56:01
